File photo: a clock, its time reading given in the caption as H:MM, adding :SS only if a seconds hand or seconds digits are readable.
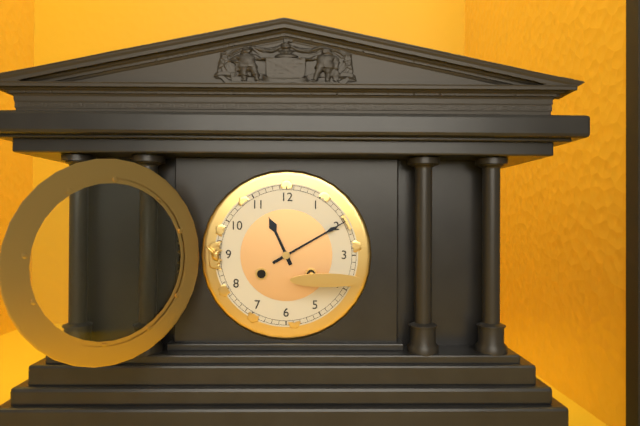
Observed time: 11:10
